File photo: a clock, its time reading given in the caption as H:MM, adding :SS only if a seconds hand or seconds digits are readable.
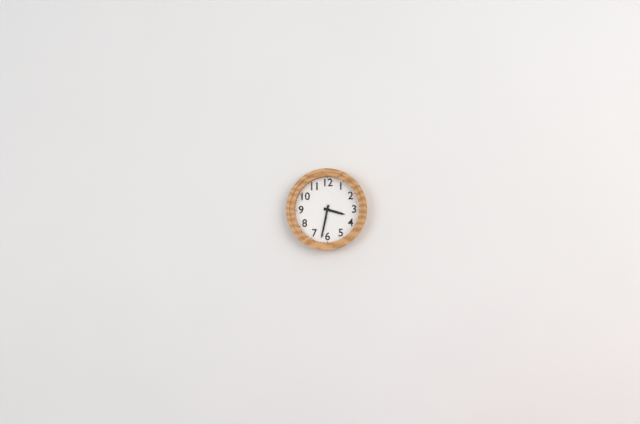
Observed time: 3:32
